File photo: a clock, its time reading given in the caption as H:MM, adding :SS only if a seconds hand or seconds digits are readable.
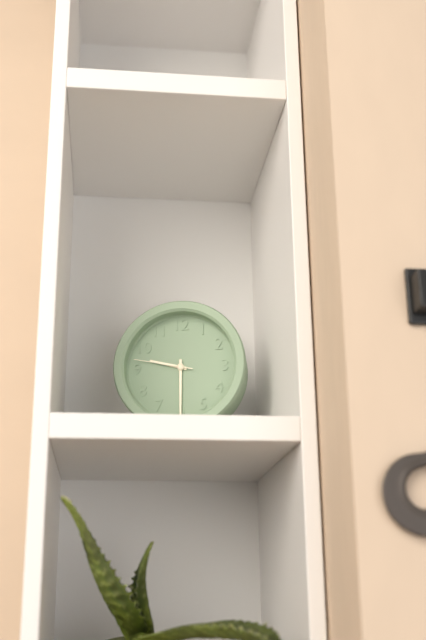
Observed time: 9:30:47
